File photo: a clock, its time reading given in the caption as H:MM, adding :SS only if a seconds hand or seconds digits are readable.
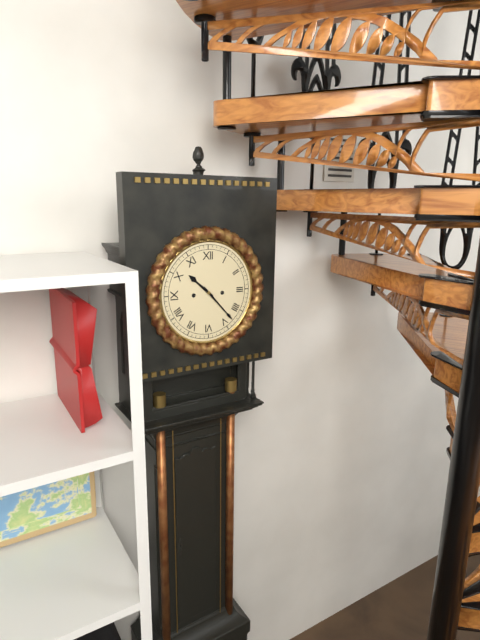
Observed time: 10:23
